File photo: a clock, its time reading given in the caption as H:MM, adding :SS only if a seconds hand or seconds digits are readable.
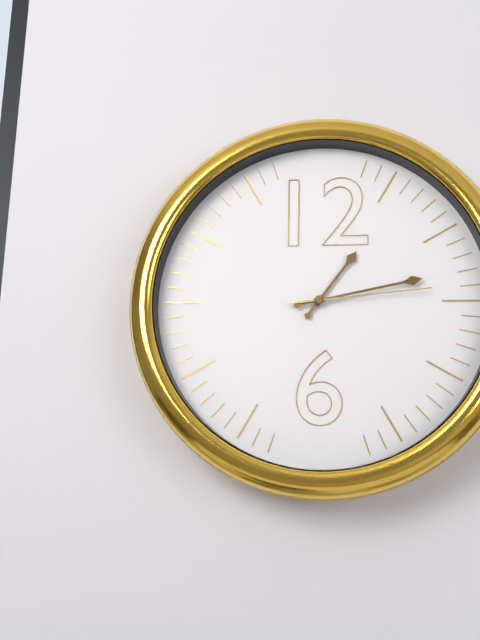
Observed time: 1:13:14
